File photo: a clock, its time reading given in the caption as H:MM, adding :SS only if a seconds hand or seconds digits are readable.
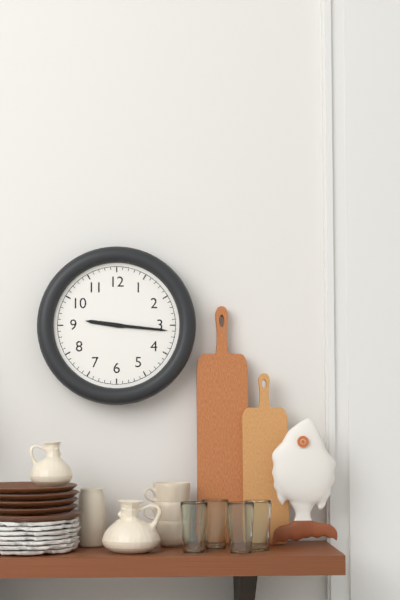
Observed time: 9:16
